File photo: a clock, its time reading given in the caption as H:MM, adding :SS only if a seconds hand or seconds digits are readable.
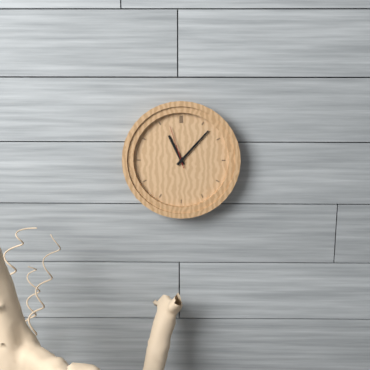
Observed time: 11:07
